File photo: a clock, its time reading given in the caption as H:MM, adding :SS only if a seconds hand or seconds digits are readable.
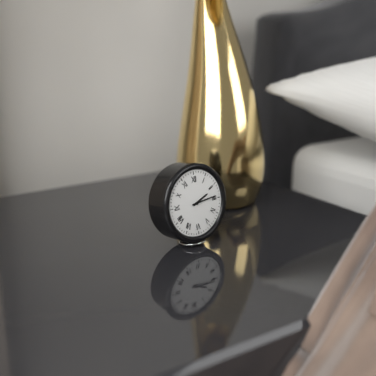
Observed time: 2:14
